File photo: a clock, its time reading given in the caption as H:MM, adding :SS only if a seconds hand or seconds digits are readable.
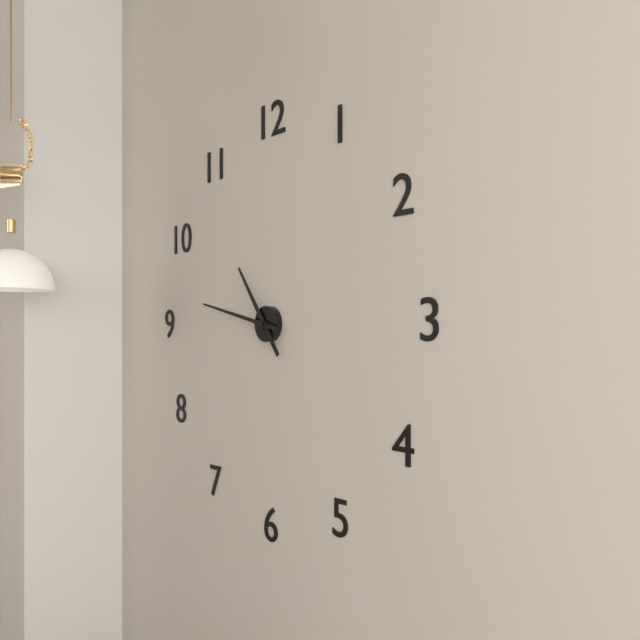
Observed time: 10:47
